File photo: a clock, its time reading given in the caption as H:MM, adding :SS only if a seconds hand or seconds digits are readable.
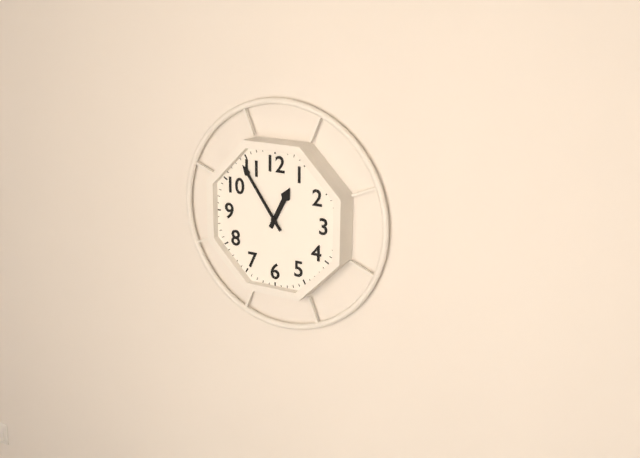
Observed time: 12:54
